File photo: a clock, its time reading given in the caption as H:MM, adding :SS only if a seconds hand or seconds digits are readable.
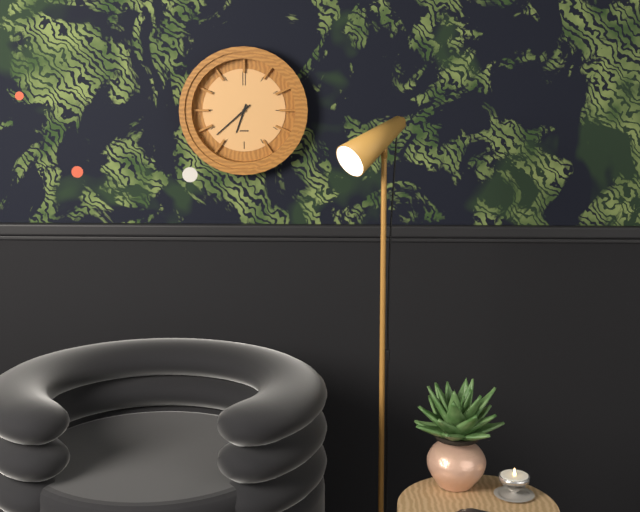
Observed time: 6:38
